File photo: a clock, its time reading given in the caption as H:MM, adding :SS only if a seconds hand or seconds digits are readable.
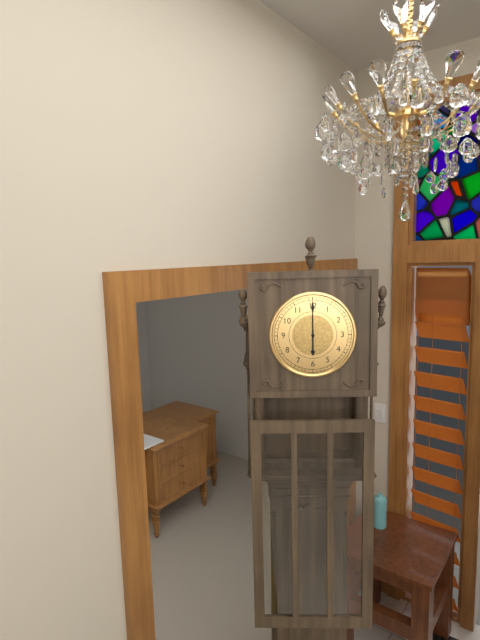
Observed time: 6:00
